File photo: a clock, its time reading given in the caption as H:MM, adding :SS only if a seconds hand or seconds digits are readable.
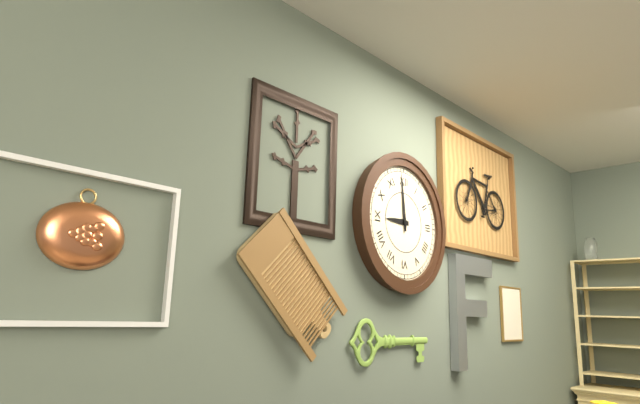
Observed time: 8:59
